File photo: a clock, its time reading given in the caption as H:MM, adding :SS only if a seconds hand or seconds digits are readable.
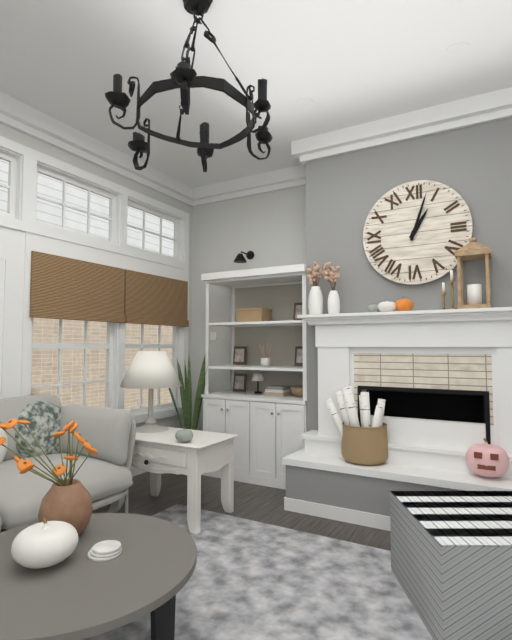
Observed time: 1:03
